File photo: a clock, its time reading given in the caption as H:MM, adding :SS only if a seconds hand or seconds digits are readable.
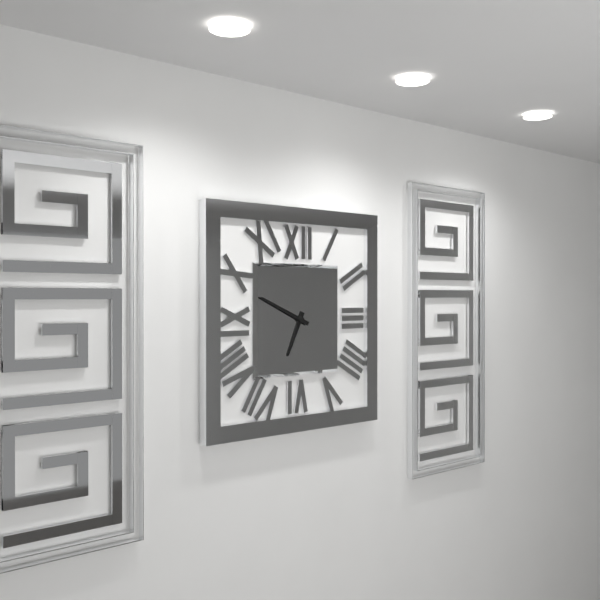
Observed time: 6:49
